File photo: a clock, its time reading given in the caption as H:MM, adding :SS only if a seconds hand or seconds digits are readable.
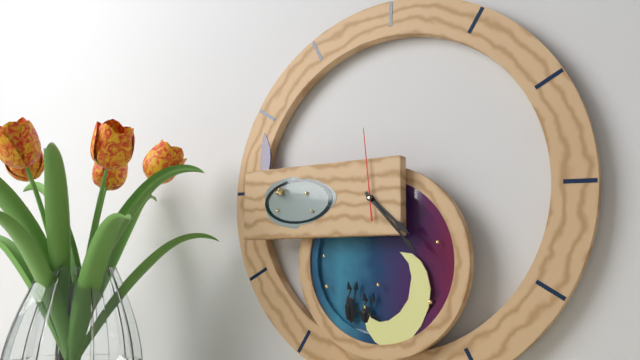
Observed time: 4:23:59
